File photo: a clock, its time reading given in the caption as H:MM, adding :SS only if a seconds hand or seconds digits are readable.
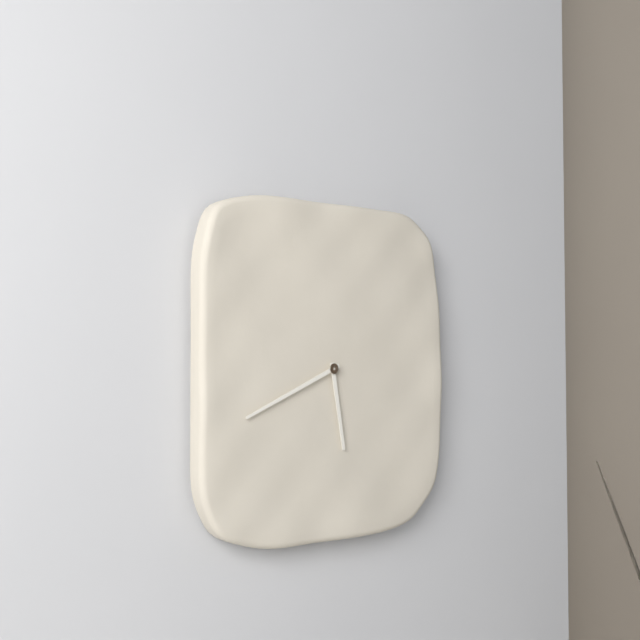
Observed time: 5:41
